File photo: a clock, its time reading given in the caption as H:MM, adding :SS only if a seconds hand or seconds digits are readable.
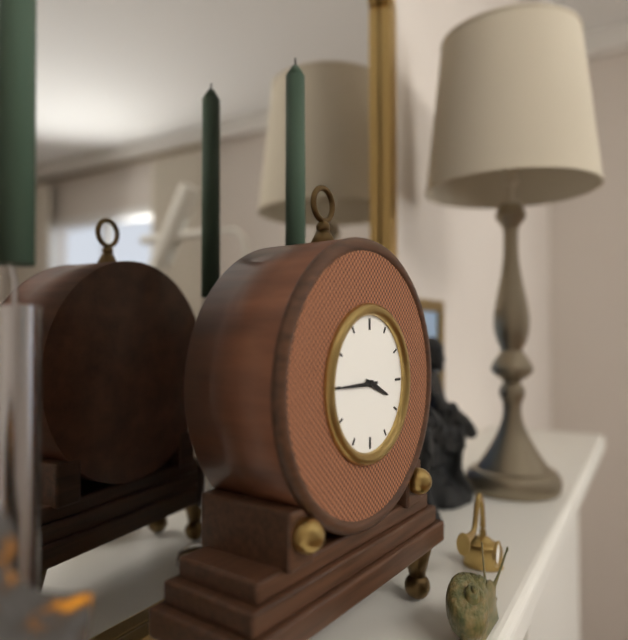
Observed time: 3:45
